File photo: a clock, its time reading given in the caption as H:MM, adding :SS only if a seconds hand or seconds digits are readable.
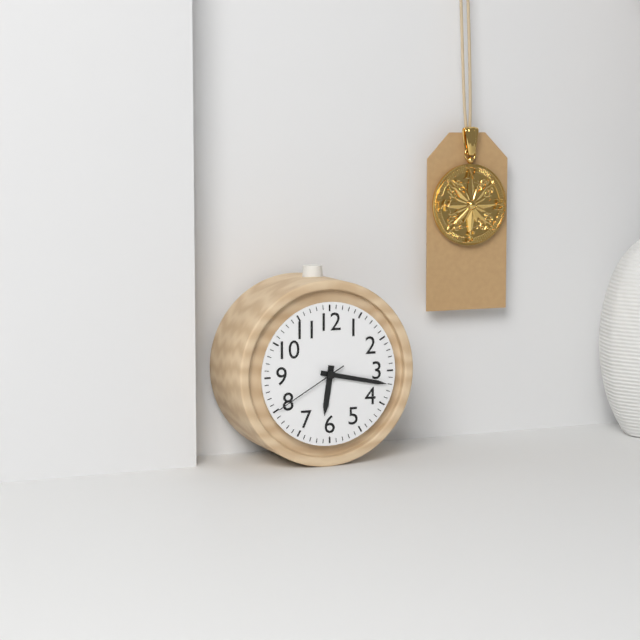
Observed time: 6:17:40
